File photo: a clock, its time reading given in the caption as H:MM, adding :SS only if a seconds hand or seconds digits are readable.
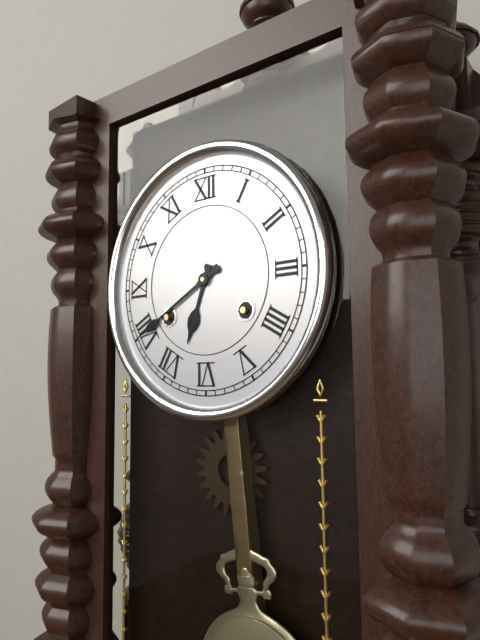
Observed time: 6:40
